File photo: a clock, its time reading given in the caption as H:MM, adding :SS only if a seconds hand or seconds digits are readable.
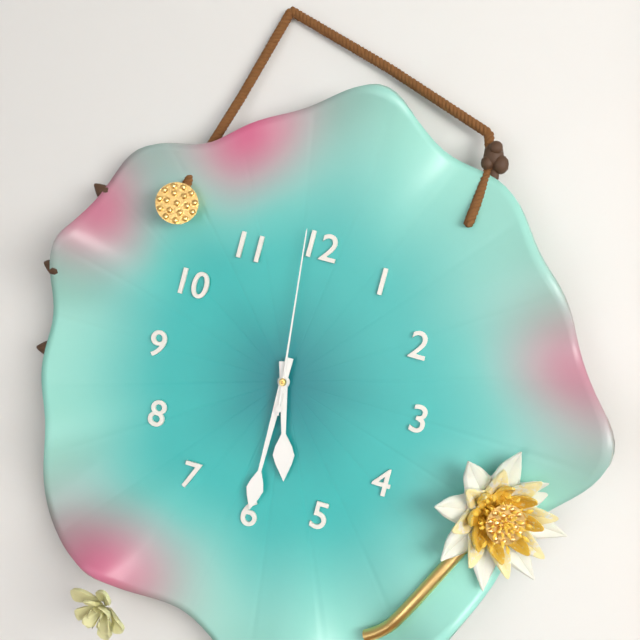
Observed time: 5:30:59
